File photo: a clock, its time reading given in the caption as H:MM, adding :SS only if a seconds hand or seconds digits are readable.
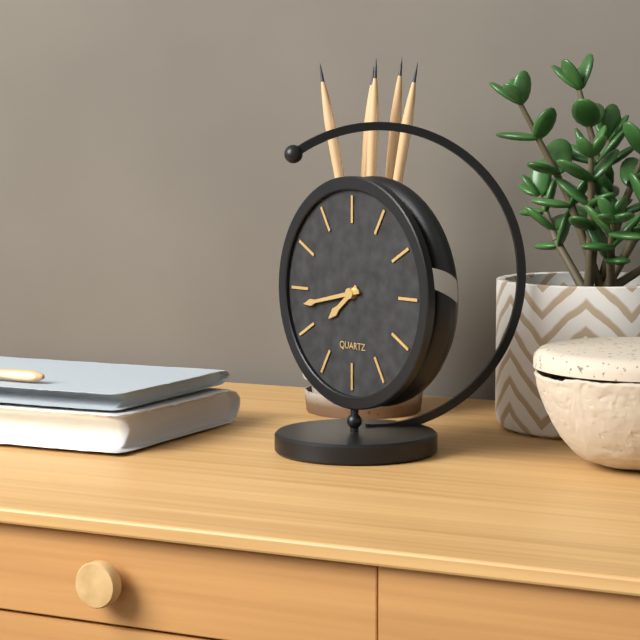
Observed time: 7:43
